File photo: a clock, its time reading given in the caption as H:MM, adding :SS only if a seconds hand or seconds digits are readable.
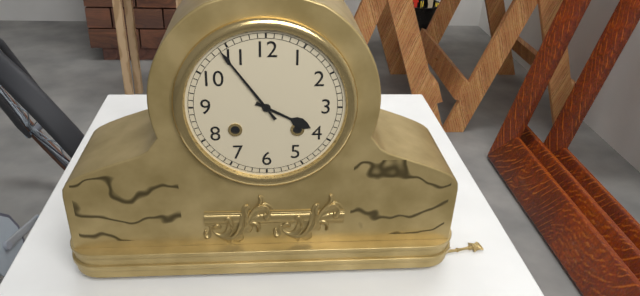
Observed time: 3:54
